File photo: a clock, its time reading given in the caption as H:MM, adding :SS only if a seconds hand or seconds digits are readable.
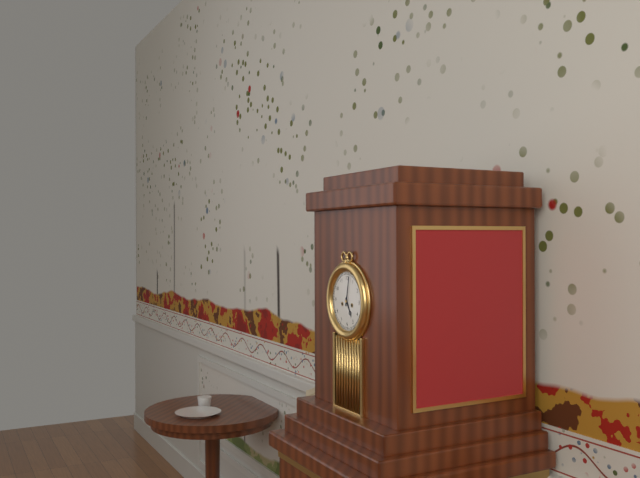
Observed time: 5:02
